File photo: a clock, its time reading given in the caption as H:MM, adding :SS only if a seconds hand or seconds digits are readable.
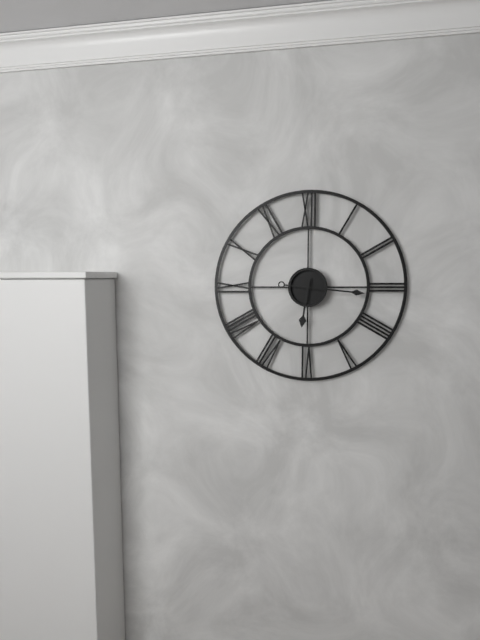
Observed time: 6:16
